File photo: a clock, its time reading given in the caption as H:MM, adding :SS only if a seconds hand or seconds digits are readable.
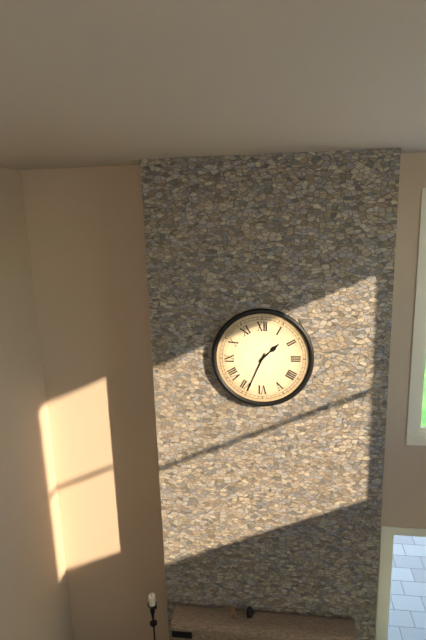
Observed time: 1:34
